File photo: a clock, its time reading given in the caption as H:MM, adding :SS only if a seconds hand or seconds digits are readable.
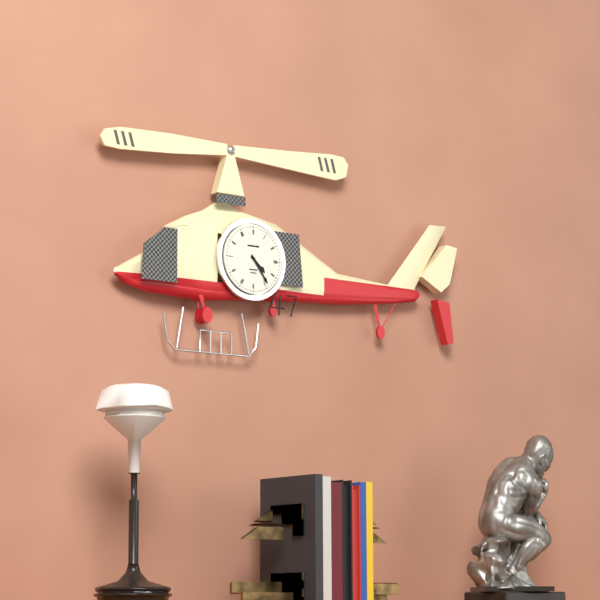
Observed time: 4:24
